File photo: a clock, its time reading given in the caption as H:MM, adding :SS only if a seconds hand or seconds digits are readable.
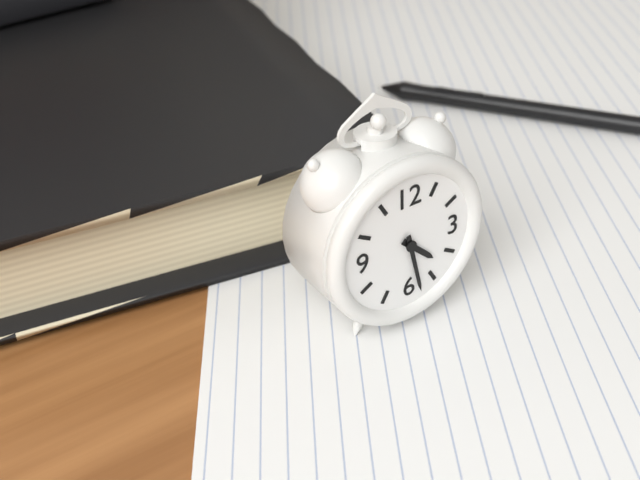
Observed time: 4:28
